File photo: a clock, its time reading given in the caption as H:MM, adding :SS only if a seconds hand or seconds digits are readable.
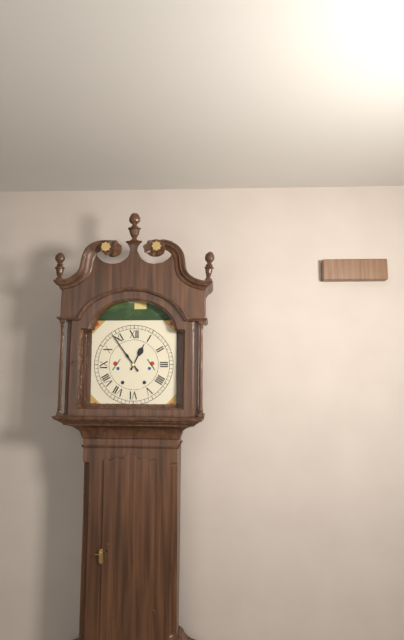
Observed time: 12:54
